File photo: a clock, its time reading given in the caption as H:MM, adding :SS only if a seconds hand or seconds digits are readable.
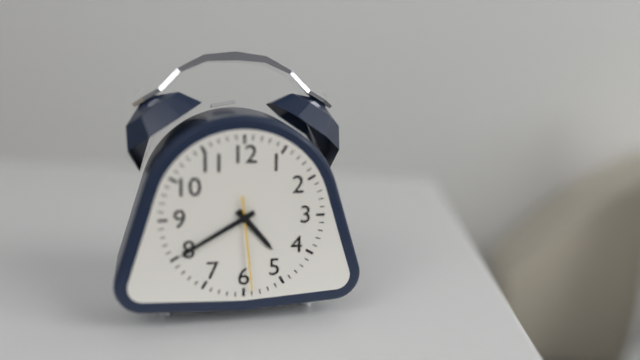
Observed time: 4:40:29
